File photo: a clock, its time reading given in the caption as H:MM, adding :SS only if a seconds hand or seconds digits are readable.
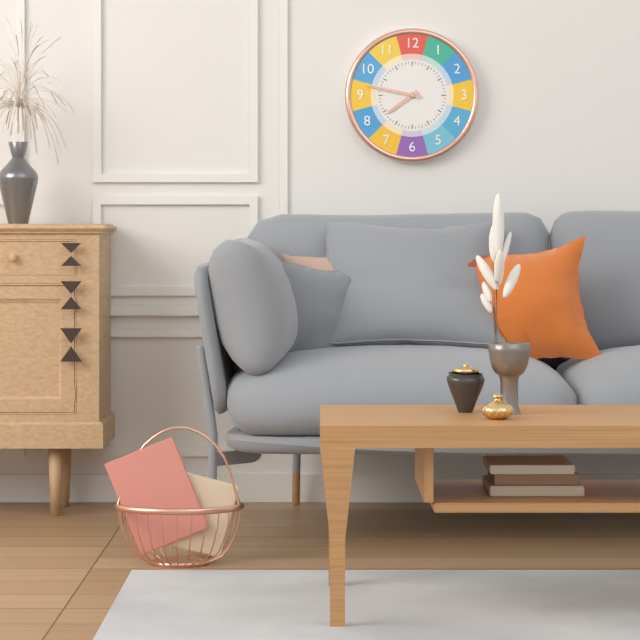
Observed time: 7:47
